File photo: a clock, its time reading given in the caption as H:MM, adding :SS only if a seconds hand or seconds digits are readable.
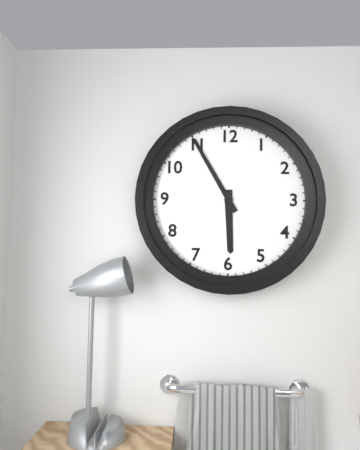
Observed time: 5:55
